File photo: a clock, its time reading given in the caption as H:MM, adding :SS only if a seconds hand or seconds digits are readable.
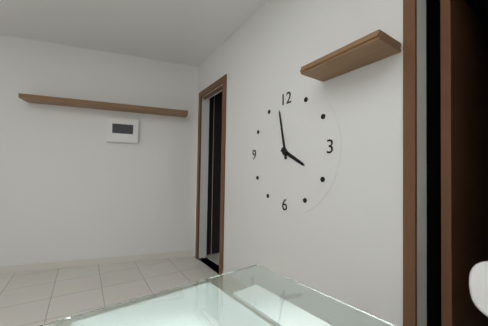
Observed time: 3:58
